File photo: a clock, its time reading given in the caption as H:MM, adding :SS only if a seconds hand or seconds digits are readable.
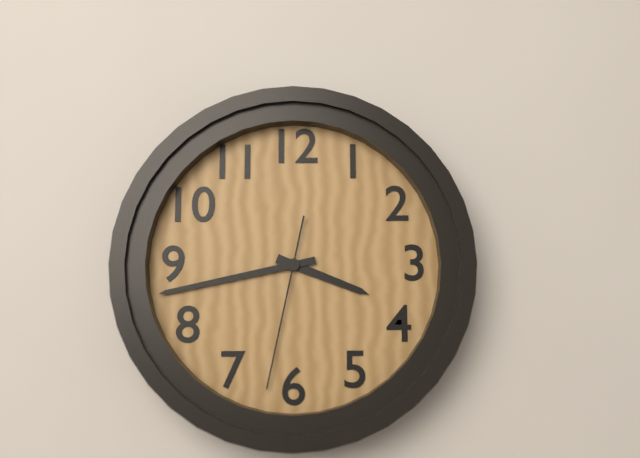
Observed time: 3:43:32
